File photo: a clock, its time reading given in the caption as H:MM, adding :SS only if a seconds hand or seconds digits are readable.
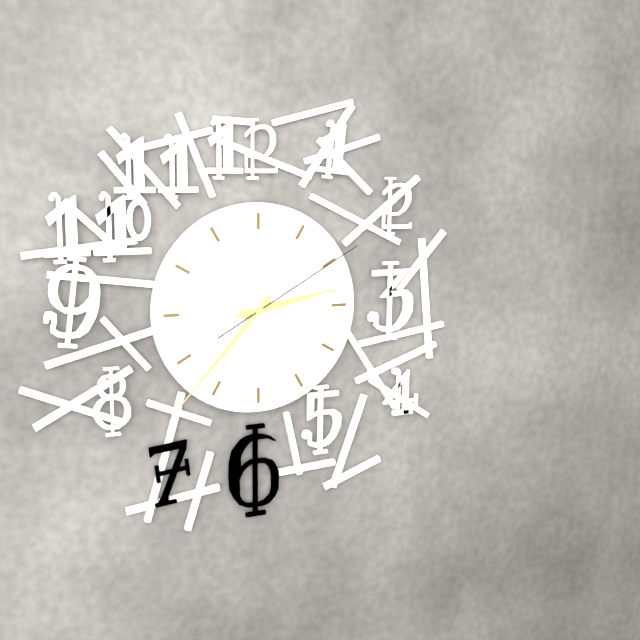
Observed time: 2:37:10
